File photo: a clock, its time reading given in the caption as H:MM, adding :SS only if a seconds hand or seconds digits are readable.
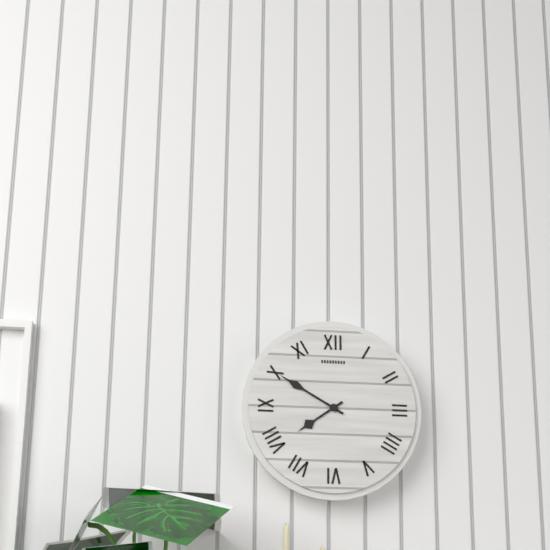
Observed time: 7:50
